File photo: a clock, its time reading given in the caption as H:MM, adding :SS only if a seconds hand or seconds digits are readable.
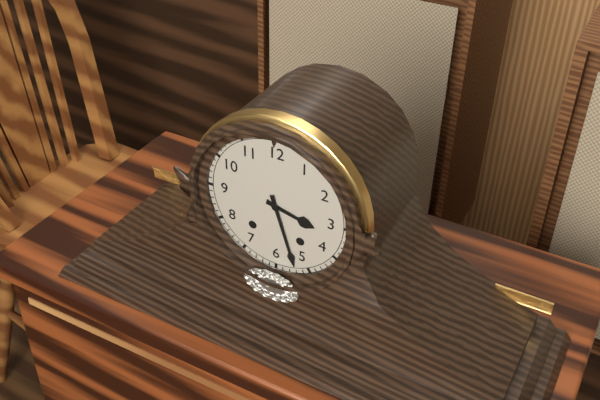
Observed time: 3:27
